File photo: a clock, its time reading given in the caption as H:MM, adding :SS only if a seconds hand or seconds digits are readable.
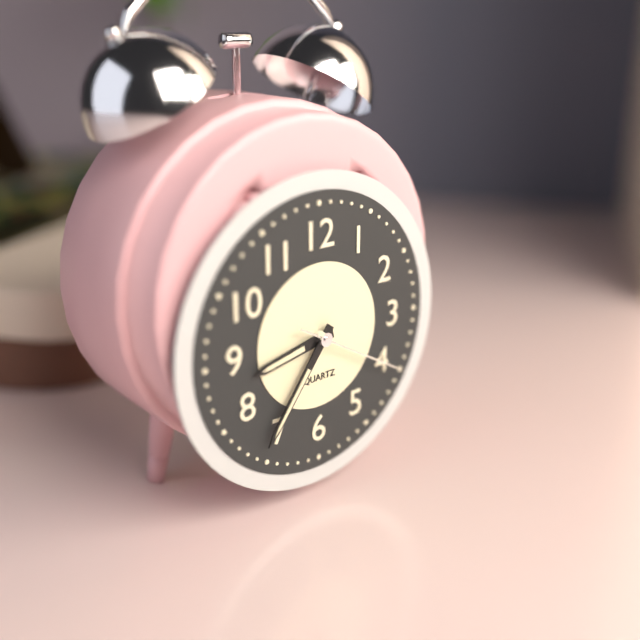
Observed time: 8:36:20
